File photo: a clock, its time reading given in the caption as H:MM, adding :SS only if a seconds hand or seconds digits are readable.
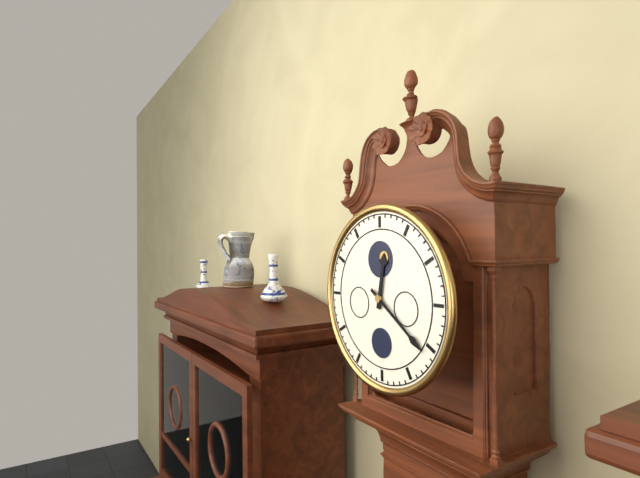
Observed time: 12:21
